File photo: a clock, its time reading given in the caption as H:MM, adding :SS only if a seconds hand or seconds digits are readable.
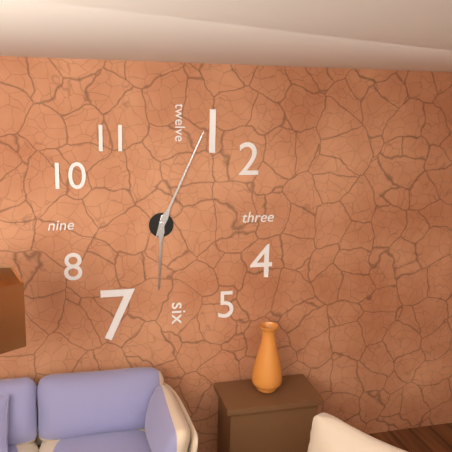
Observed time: 6:04
